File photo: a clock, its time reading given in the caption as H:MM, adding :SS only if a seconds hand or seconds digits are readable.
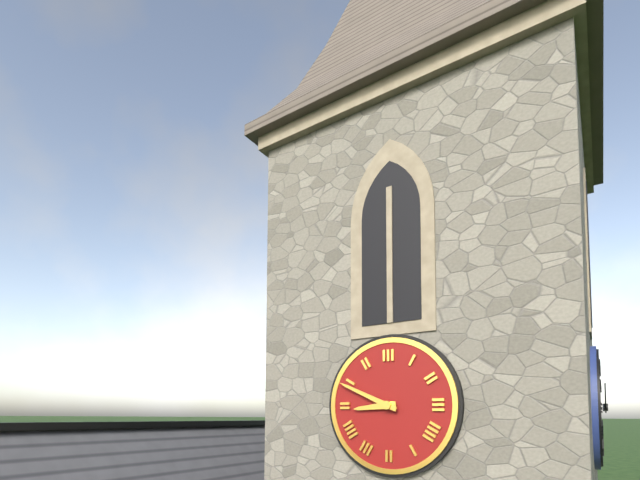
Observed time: 8:49
